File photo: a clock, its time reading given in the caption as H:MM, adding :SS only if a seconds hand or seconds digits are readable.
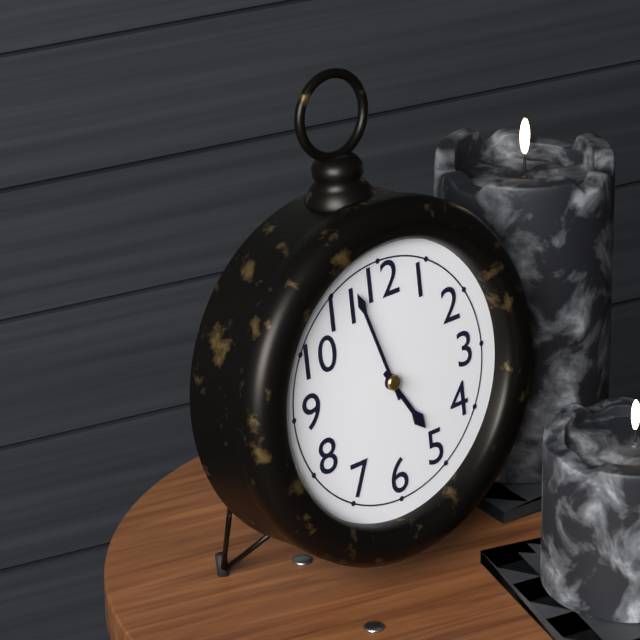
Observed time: 4:57
